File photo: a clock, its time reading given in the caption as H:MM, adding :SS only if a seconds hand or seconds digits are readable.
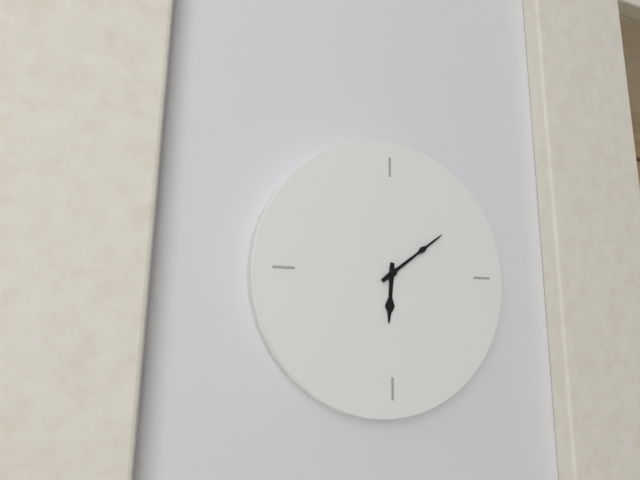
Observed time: 6:09
